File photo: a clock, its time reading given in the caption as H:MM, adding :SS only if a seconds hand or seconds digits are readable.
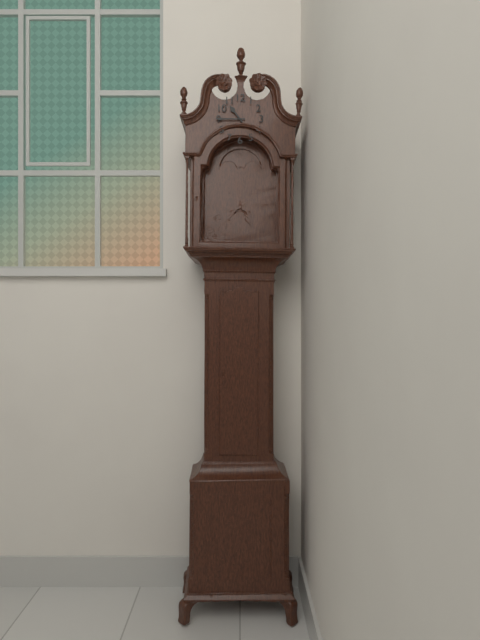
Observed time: 10:45
